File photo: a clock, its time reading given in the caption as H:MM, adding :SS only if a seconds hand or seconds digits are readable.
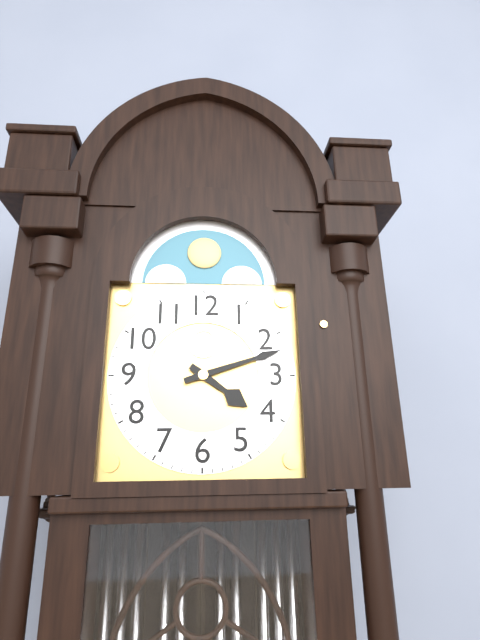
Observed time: 4:12
